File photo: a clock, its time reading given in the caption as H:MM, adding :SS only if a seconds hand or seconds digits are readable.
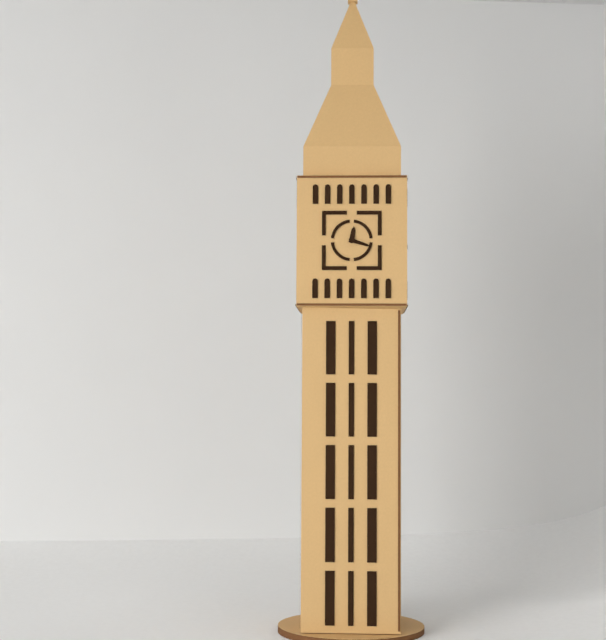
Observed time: 12:18
